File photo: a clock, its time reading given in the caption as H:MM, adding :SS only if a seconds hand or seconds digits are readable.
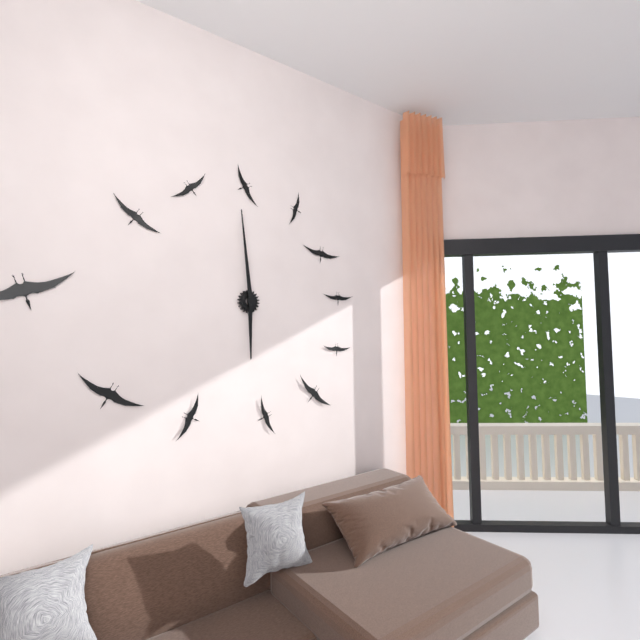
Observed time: 5:59
